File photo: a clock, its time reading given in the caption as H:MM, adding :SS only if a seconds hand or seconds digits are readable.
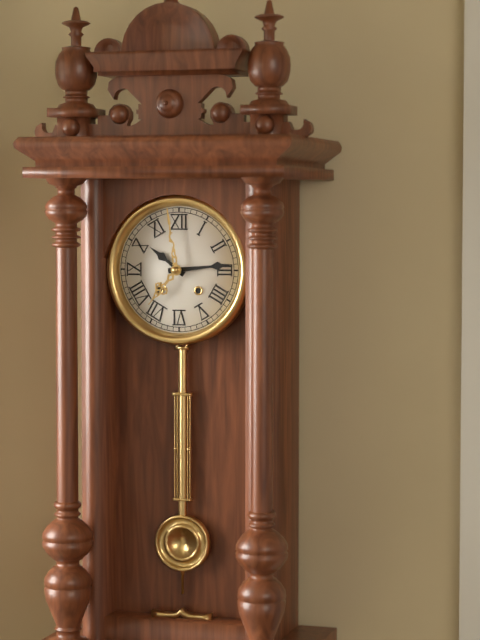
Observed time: 10:14
